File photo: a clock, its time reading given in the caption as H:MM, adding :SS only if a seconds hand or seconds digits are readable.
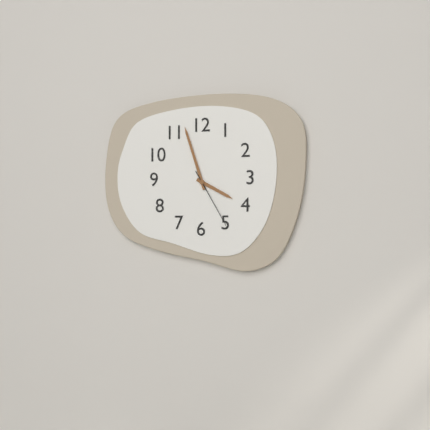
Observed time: 3:57:25
